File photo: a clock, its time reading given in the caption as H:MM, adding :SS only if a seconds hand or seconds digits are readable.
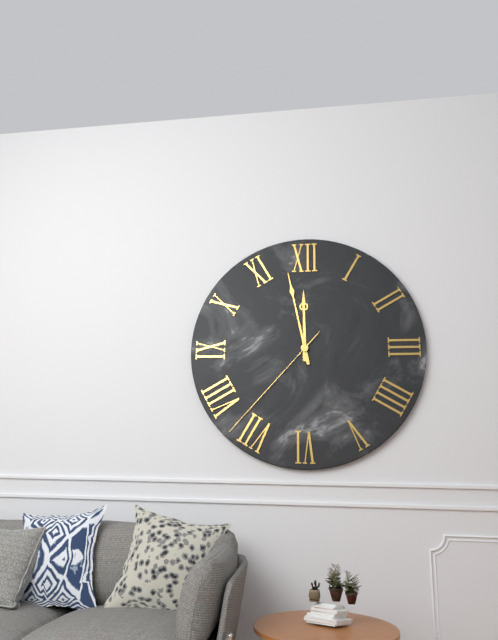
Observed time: 11:58:37
